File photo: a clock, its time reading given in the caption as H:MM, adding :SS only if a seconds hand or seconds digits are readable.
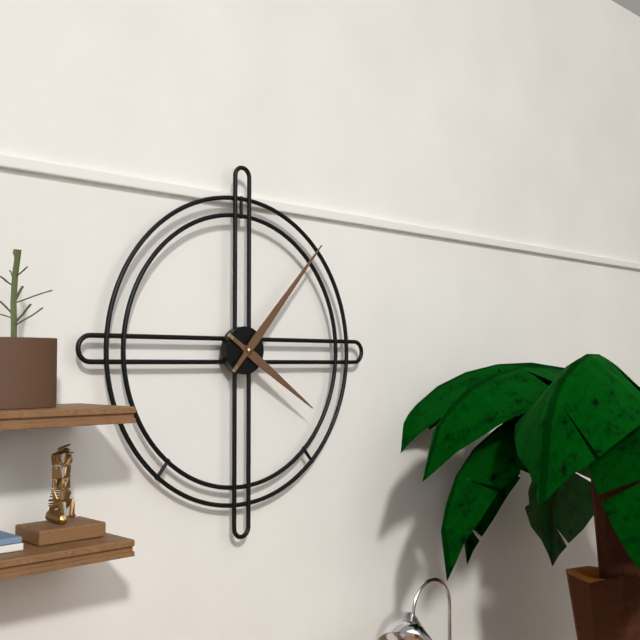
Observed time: 4:07
